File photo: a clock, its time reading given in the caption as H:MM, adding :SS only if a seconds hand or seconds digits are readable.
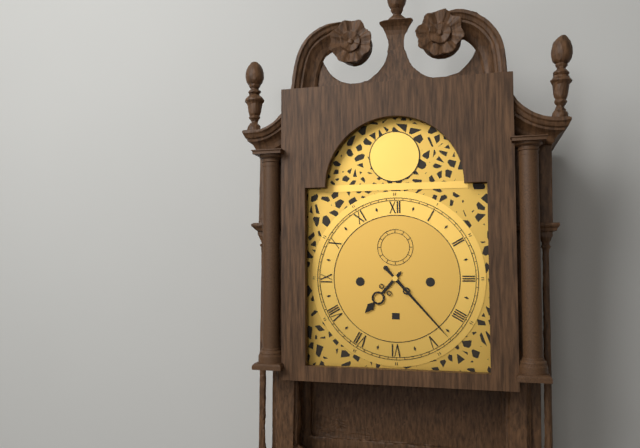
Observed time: 7:23
